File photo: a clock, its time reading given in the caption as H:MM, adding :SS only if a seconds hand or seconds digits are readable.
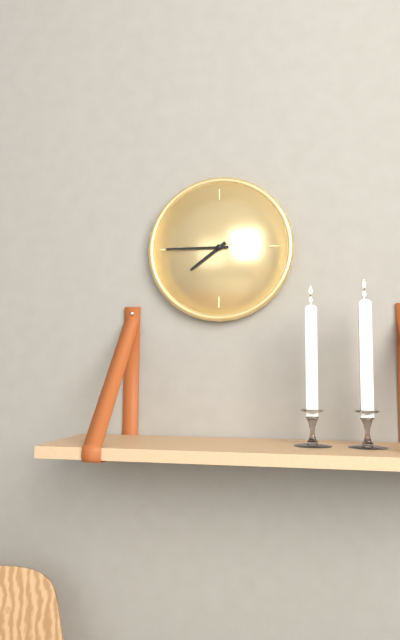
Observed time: 7:45
